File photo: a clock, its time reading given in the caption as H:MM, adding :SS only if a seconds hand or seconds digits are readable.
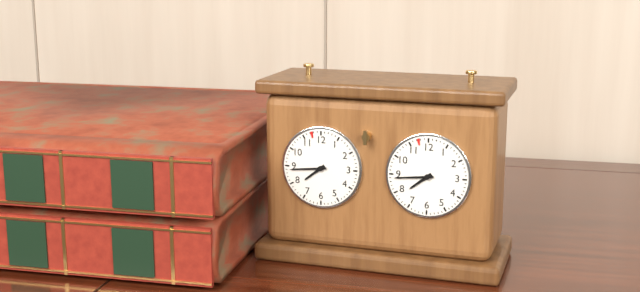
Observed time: 7:44
